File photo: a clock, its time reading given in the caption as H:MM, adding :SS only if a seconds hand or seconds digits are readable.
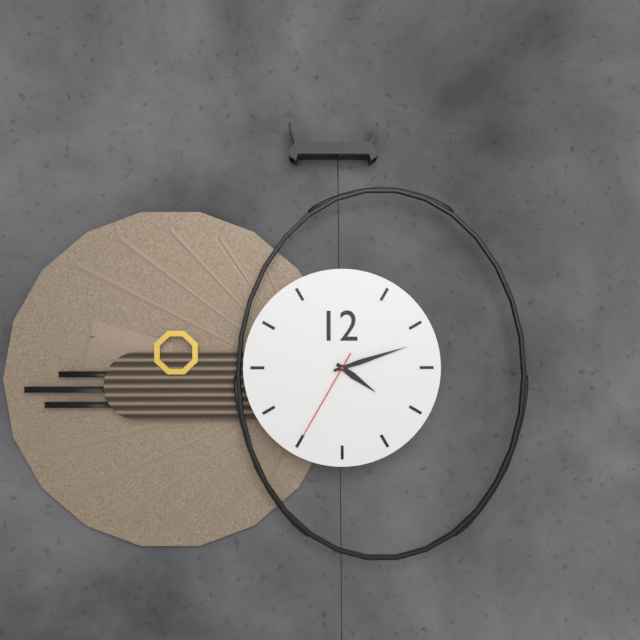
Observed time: 4:12:35
